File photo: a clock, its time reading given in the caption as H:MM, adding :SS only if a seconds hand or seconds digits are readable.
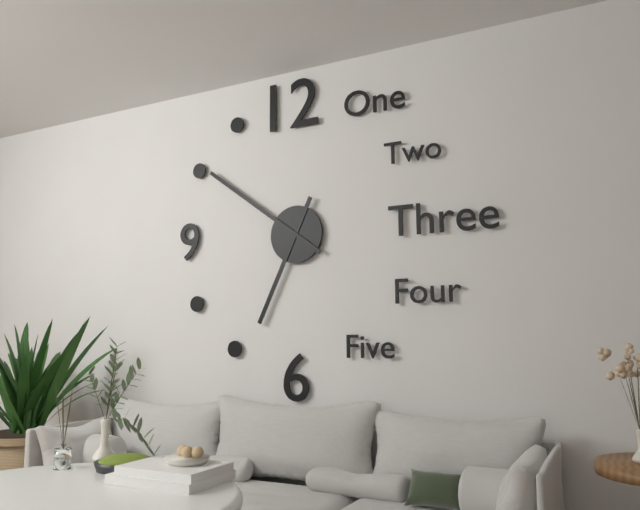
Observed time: 6:51
